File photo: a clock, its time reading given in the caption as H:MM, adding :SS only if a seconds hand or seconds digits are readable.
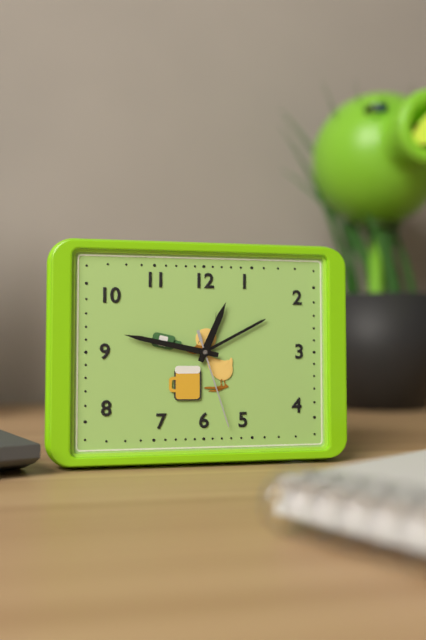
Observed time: 12:47:27
